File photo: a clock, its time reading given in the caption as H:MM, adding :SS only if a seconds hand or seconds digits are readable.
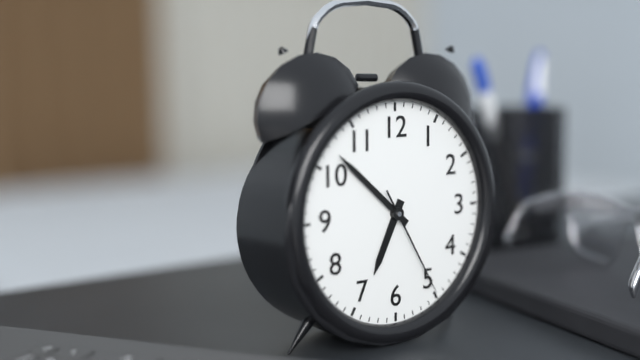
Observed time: 6:52:25
